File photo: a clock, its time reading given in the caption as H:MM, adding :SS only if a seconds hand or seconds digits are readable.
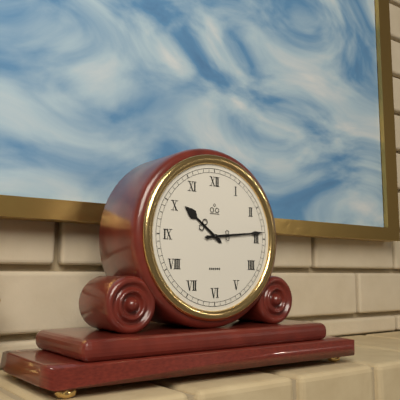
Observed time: 10:14
